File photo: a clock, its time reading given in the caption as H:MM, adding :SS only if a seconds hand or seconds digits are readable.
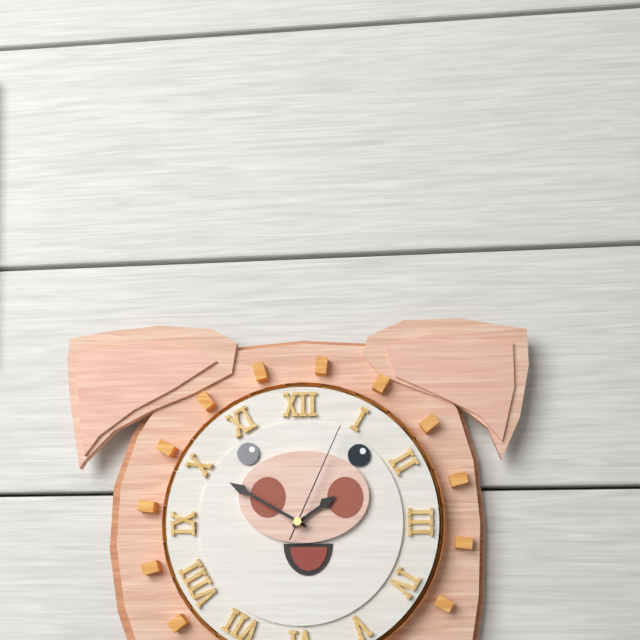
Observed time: 1:50:04
